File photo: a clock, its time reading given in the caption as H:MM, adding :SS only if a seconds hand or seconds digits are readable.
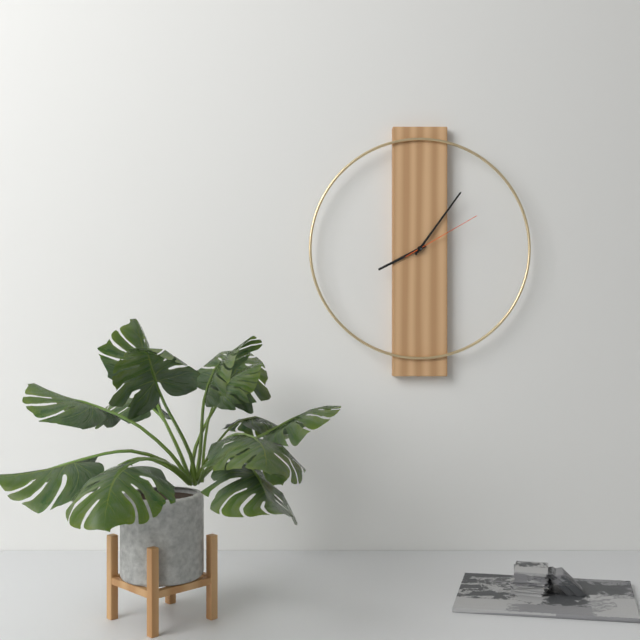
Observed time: 8:06:10
